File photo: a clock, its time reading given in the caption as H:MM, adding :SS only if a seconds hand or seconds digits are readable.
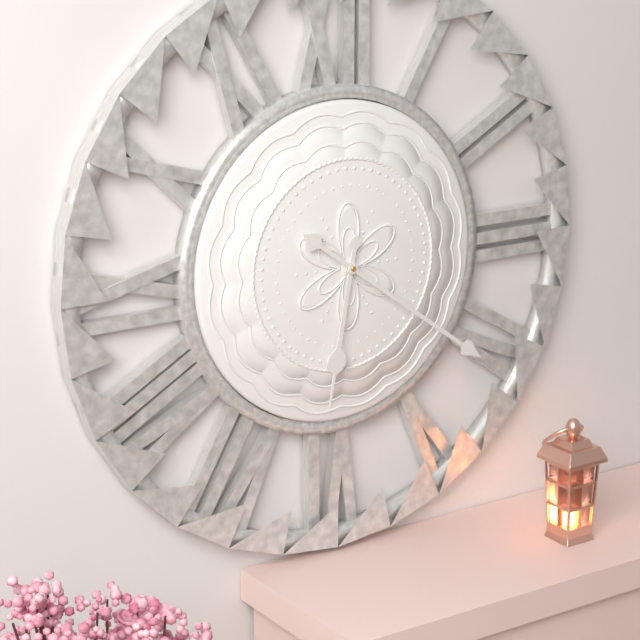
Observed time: 6:21
